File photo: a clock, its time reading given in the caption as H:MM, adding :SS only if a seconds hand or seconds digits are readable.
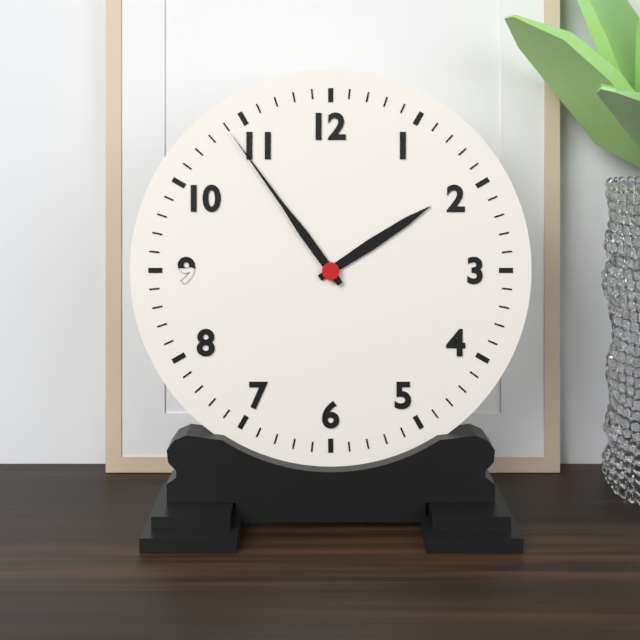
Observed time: 1:54
